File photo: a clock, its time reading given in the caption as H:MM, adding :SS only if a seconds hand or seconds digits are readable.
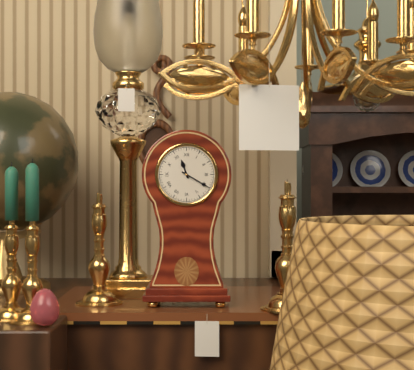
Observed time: 11:20
